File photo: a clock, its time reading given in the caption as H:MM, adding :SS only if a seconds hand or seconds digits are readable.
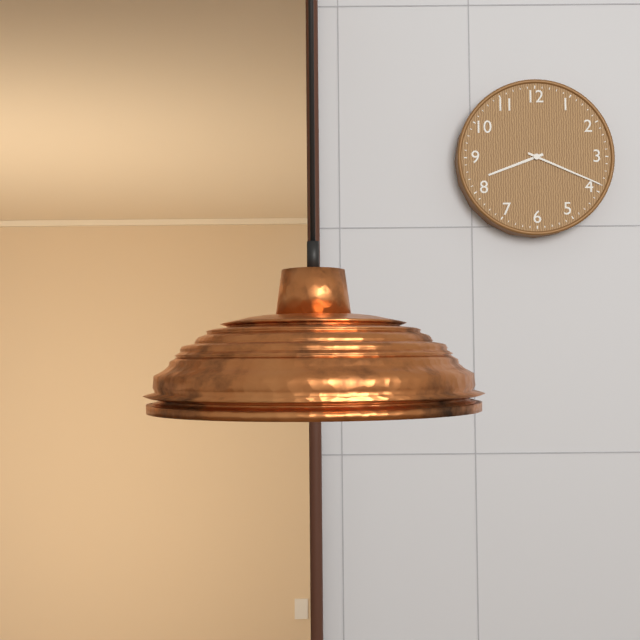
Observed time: 8:19
